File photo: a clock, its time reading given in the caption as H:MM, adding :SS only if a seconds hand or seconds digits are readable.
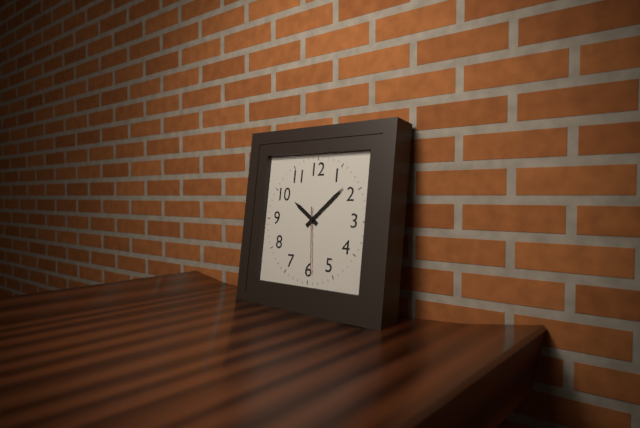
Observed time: 10:08:29
